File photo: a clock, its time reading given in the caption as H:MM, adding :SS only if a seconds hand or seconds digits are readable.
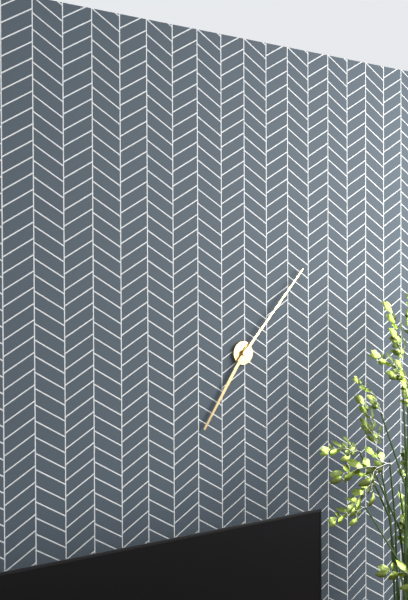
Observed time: 7:07
